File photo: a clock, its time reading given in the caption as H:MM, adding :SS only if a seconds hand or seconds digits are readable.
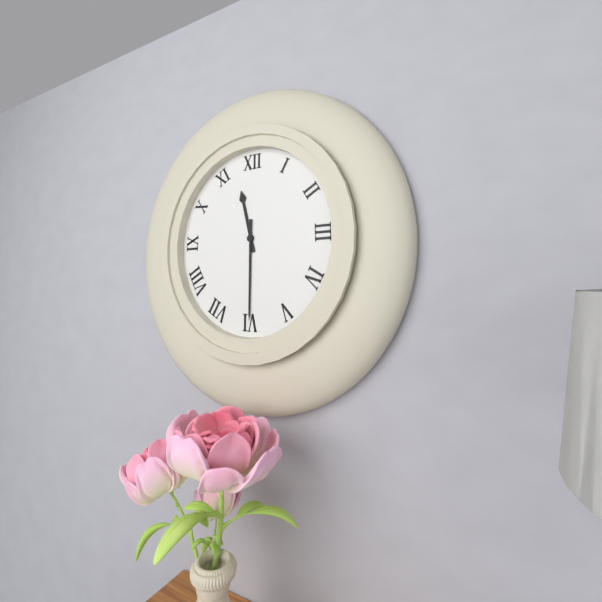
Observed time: 11:30
